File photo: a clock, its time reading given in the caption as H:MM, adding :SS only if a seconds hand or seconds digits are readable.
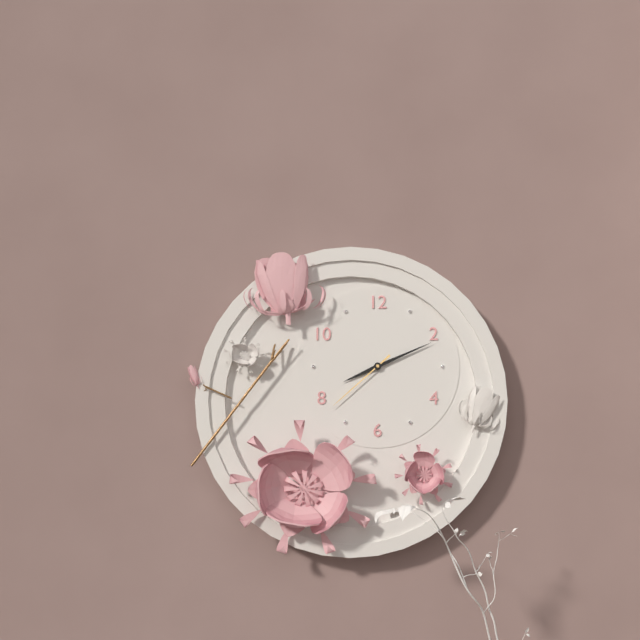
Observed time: 8:11:38
